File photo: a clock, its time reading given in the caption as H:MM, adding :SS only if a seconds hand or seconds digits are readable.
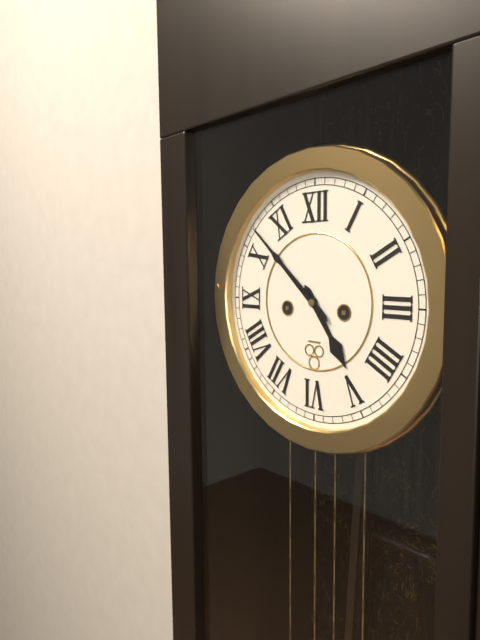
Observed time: 4:52
